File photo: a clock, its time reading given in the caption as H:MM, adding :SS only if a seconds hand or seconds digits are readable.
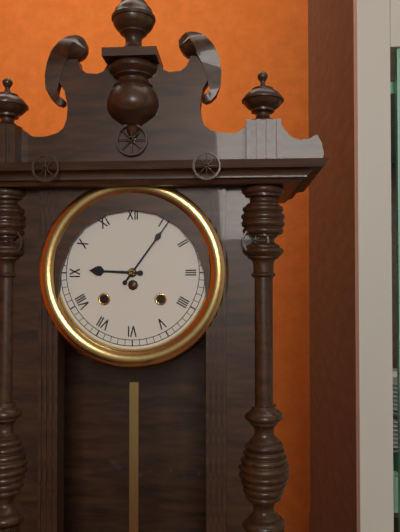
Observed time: 9:06
